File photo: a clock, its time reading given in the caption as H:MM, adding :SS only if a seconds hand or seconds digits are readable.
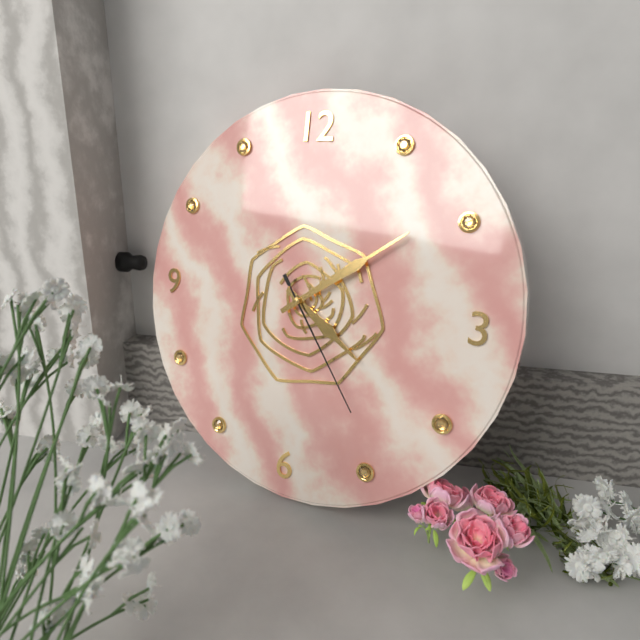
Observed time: 4:09:24
